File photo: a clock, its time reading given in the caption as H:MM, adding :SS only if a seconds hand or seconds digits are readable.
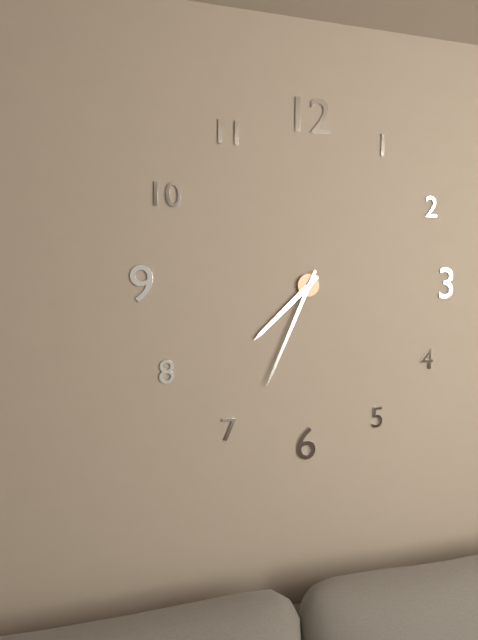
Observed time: 7:34
